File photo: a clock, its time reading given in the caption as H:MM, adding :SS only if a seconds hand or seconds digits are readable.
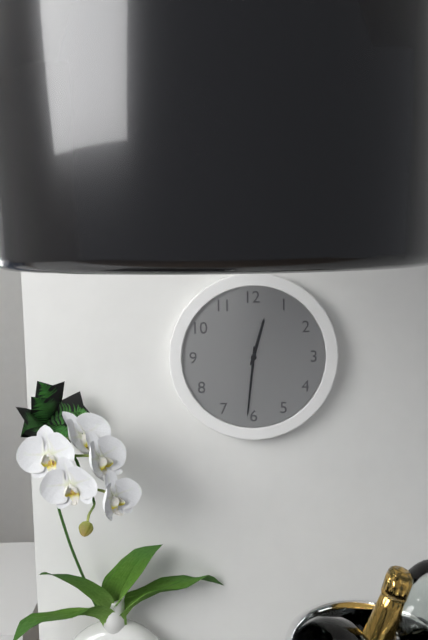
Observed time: 12:31
